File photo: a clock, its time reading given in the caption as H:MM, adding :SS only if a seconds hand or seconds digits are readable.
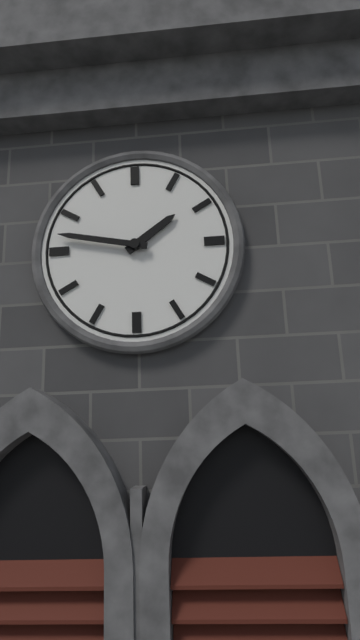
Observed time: 1:47
